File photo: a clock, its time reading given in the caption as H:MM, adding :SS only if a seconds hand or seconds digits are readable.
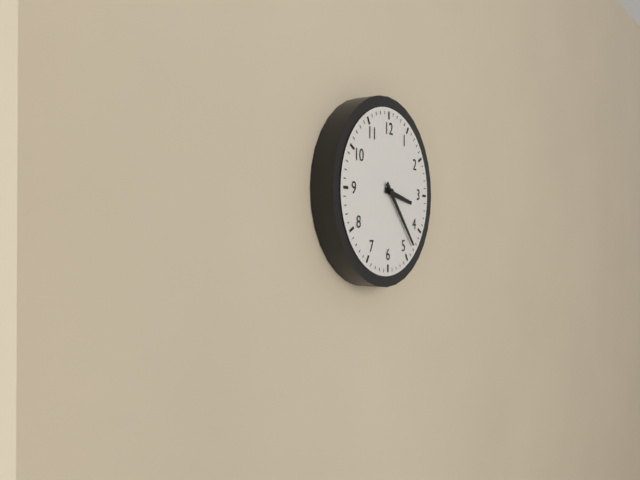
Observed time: 3:23
